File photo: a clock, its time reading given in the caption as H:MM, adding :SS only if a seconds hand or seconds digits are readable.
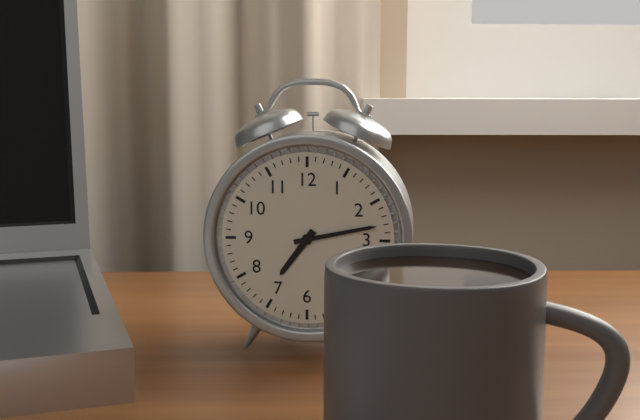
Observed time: 7:13
